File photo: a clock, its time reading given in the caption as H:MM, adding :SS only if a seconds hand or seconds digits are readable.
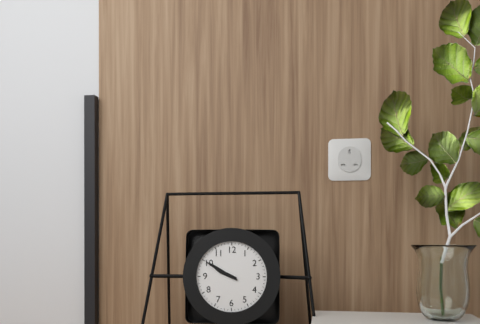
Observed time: 9:50
